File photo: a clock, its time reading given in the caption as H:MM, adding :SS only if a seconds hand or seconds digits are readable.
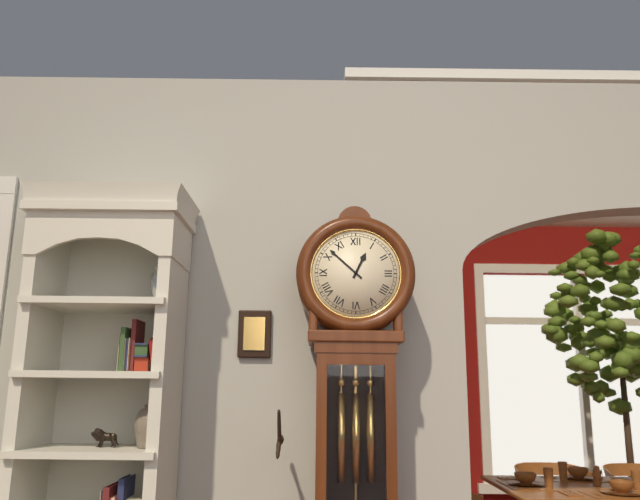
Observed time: 12:52
